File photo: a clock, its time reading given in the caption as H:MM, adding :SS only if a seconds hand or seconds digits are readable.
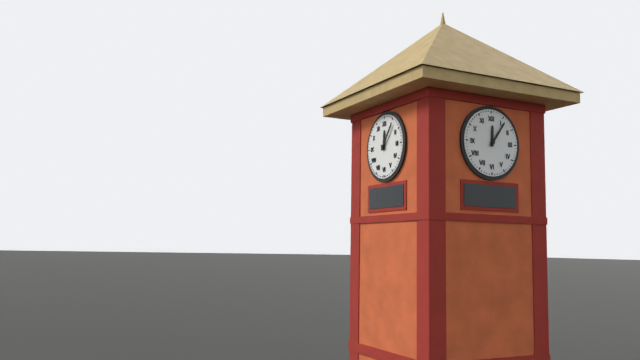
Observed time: 12:06
